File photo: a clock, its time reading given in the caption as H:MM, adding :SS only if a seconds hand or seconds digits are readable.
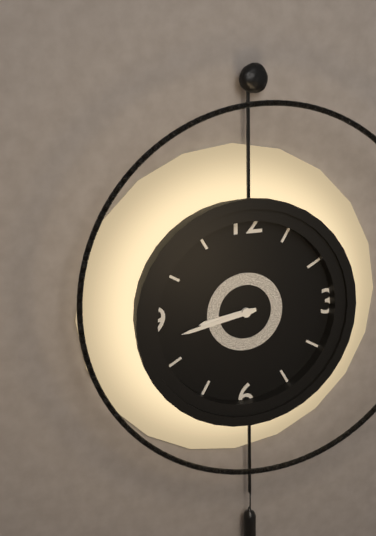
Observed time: 8:43
